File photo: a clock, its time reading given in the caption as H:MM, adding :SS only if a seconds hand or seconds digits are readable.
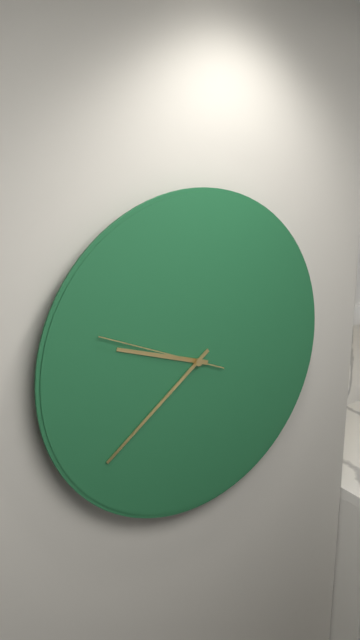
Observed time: 9:39:49
